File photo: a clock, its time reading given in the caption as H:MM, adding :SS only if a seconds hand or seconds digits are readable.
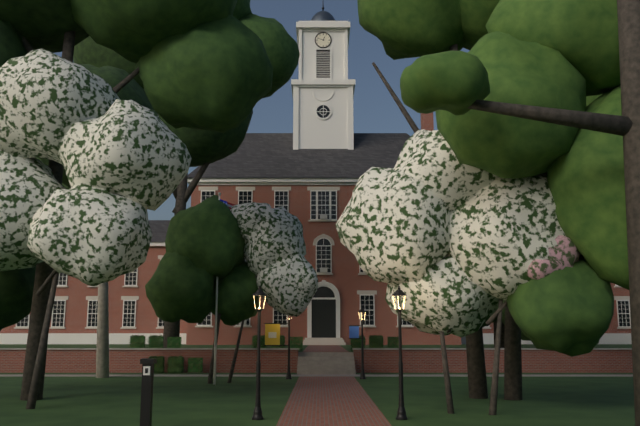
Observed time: 12:48
